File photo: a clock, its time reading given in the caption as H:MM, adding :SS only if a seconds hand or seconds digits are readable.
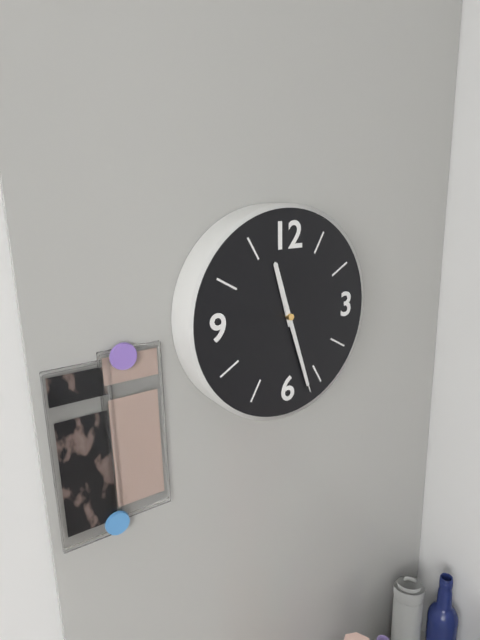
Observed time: 11:27:27
